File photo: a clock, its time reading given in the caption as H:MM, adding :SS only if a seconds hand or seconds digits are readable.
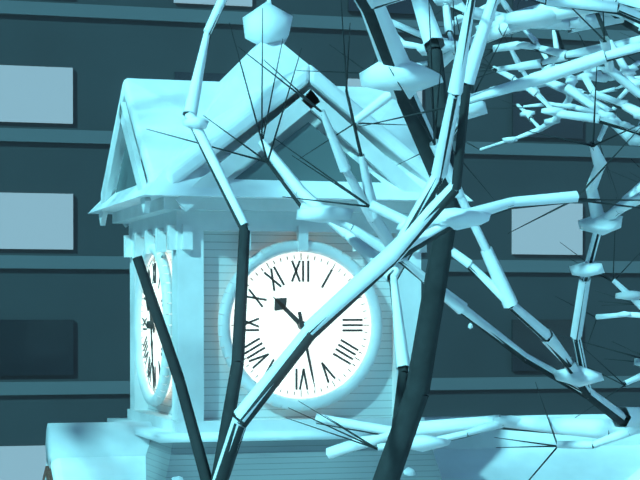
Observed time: 10:28
